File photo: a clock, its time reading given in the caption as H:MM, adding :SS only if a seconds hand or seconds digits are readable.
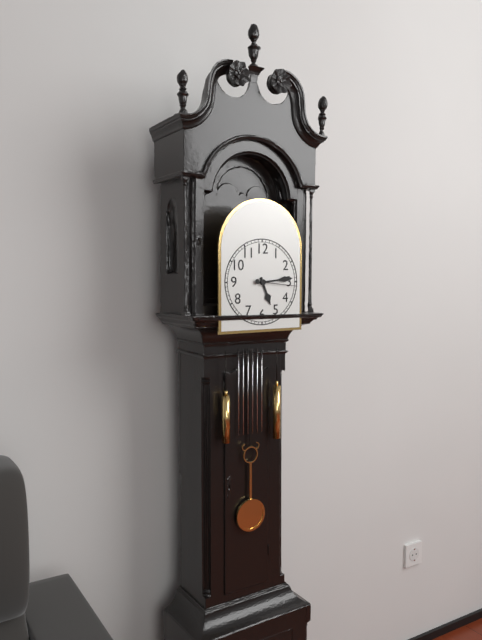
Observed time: 5:14
